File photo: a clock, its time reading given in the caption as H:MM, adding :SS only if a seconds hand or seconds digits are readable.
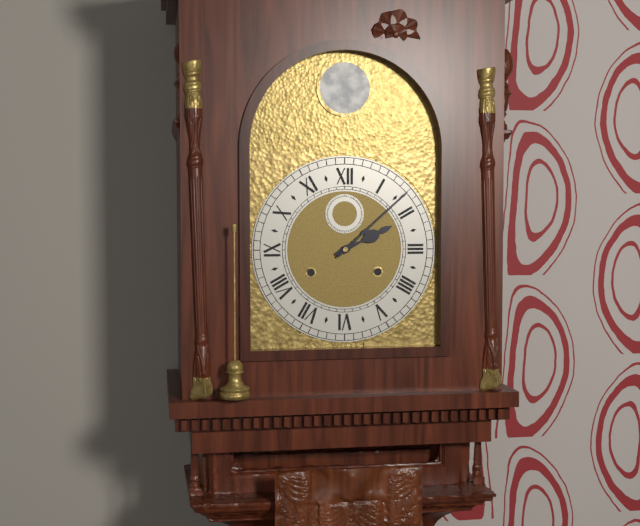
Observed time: 2:08
